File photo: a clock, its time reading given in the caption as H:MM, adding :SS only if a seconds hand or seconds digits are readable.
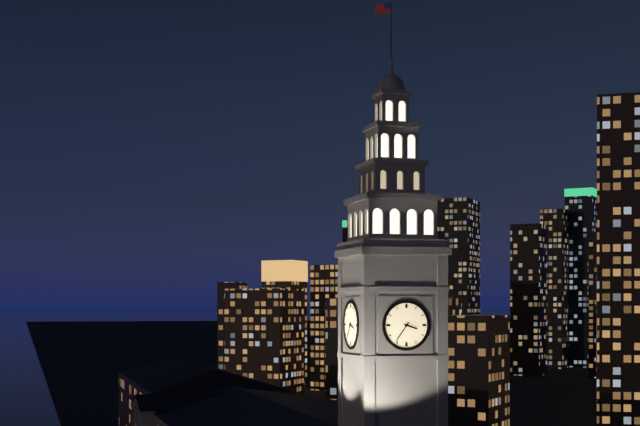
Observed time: 3:36
